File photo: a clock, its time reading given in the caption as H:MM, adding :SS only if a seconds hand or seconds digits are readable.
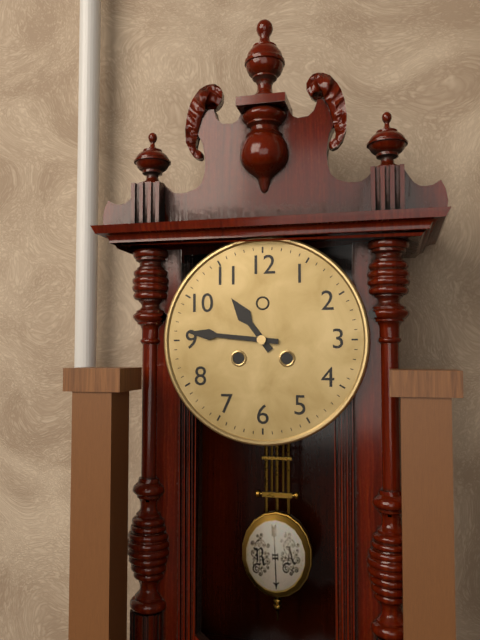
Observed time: 10:46
